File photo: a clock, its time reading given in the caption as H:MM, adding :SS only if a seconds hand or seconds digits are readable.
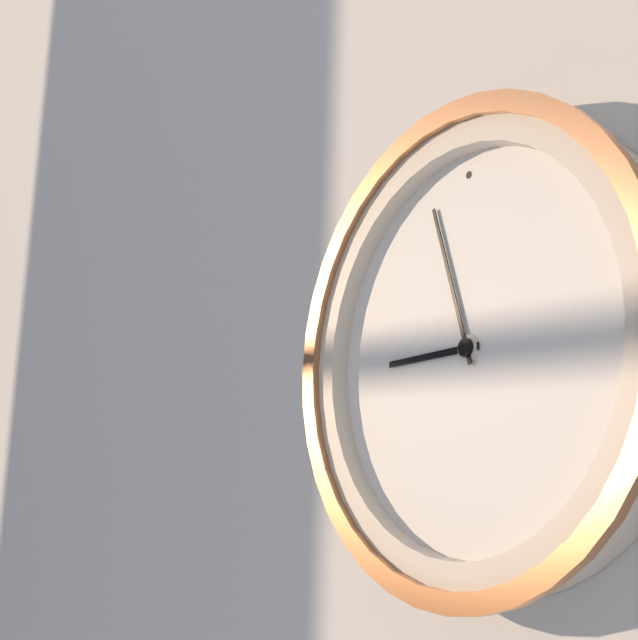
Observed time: 8:57
